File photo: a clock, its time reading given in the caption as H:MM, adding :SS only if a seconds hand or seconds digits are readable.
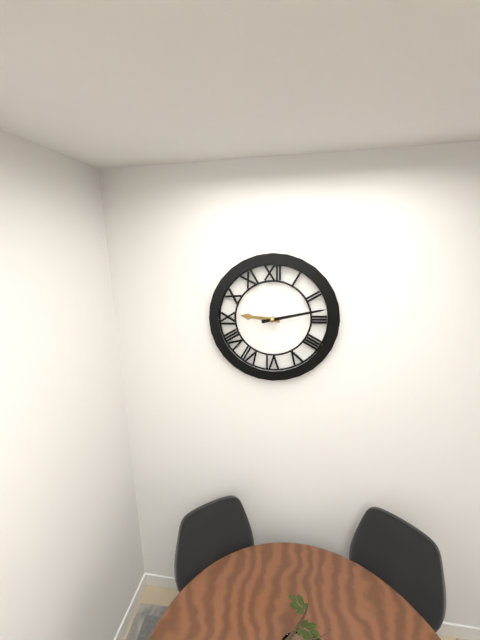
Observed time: 9:13
